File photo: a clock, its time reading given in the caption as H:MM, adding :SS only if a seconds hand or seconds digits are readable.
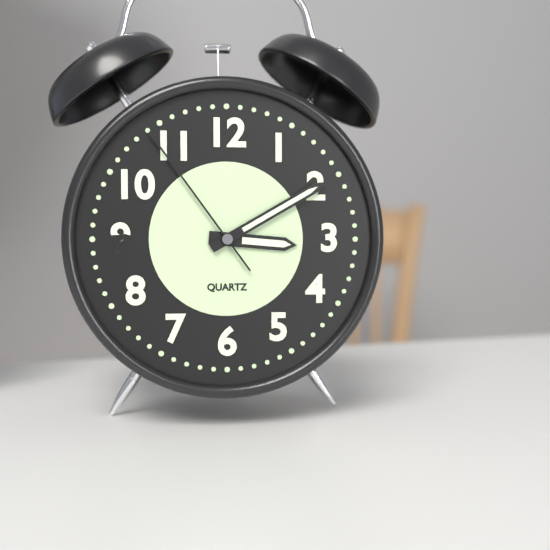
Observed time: 3:10:54
